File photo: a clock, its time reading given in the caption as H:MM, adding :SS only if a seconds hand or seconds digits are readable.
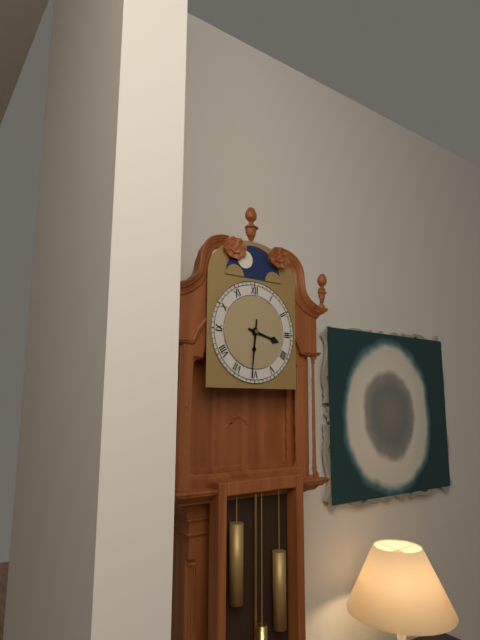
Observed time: 3:31
